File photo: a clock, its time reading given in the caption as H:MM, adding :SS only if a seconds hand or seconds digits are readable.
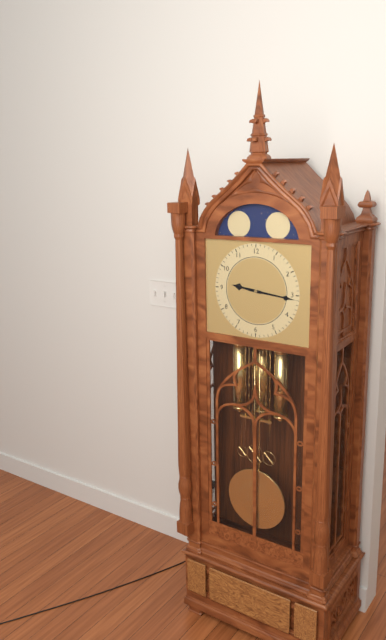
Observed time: 9:16
